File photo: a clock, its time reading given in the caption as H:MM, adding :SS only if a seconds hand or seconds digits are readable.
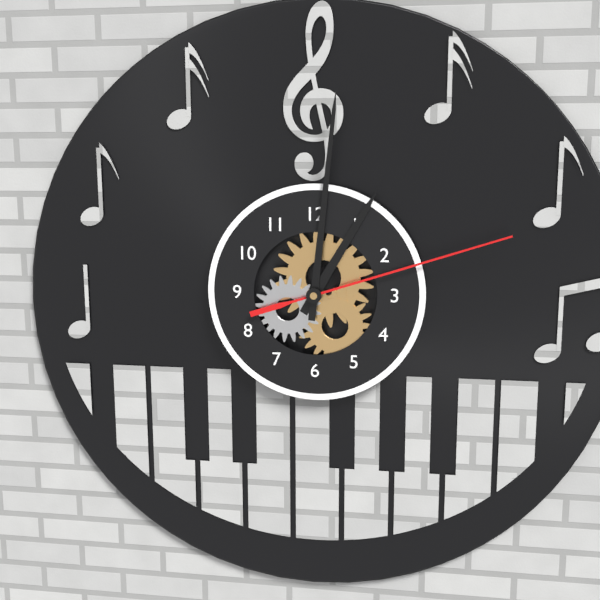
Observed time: 1:01:12
